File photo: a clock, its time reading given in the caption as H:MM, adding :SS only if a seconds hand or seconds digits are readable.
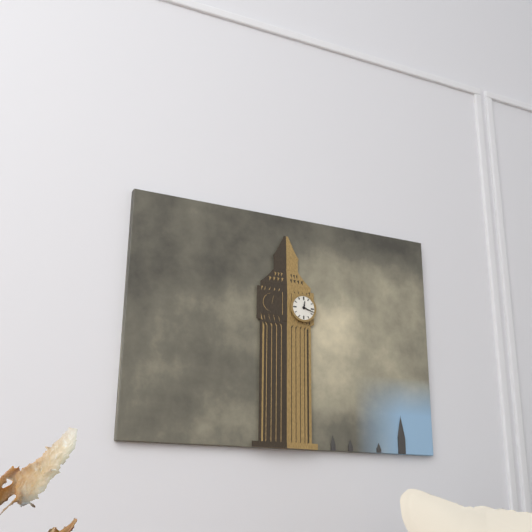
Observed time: 12:18
